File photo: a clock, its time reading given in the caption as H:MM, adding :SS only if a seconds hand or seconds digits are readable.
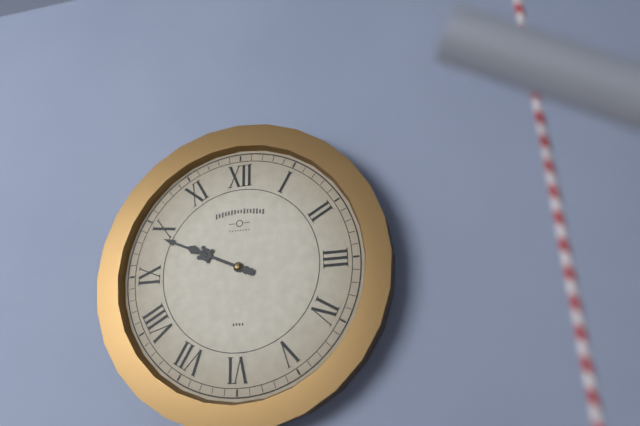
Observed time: 9:49
